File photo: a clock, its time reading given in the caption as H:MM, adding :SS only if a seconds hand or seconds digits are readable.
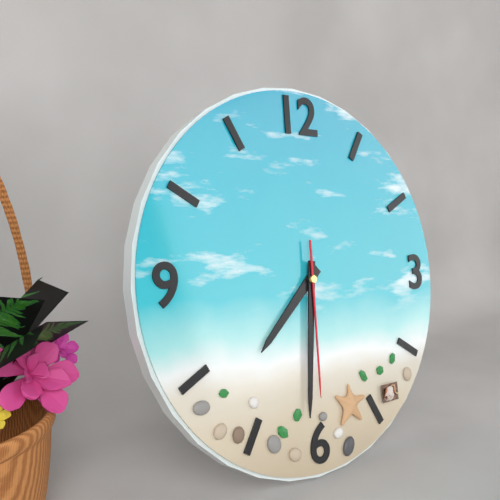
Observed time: 7:31:30
